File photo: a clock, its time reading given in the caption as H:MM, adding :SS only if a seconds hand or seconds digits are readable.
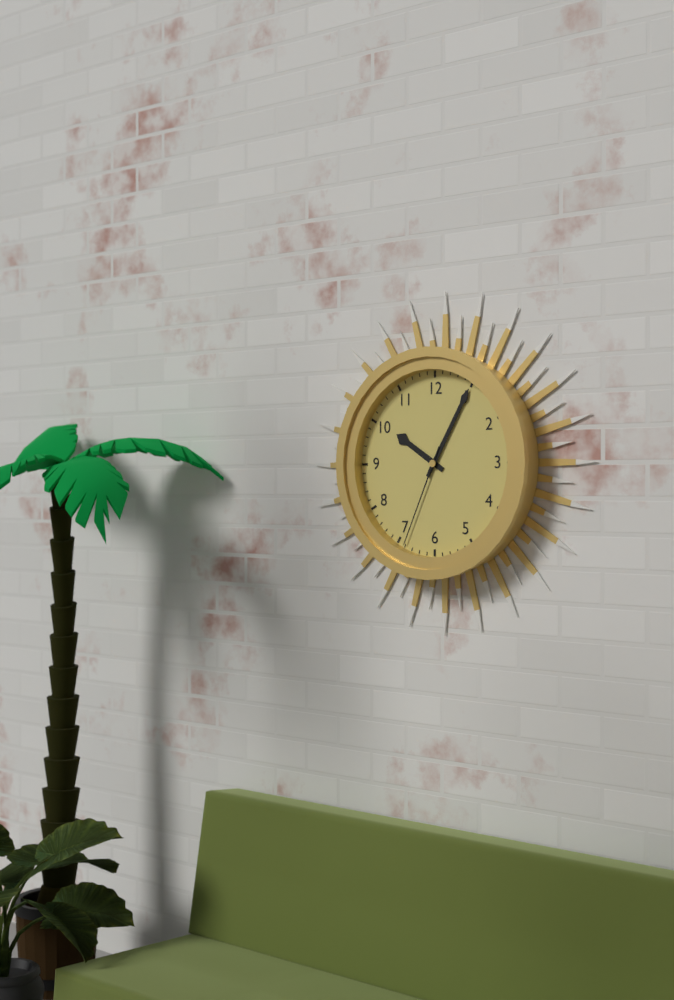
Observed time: 10:05:34
